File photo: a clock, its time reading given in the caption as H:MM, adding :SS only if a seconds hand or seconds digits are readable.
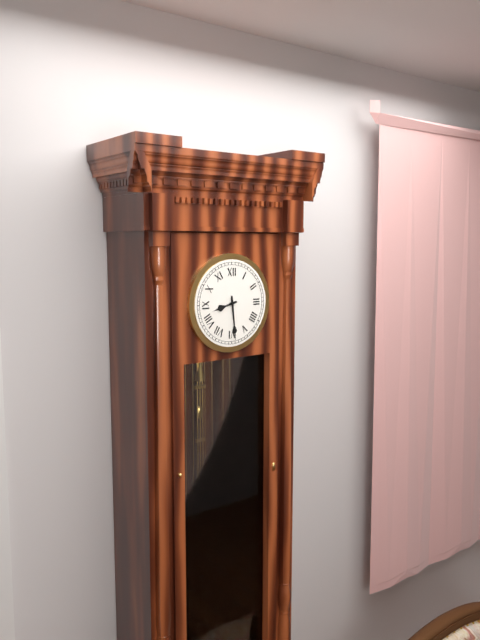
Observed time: 8:29
